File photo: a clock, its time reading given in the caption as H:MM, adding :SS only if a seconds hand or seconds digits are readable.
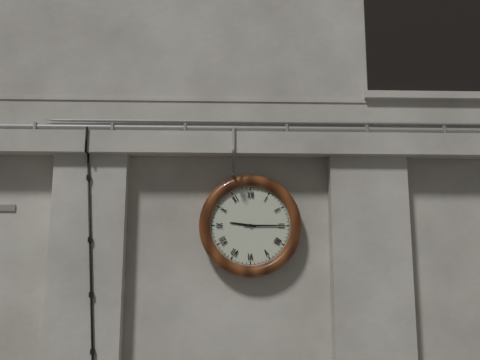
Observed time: 9:15
